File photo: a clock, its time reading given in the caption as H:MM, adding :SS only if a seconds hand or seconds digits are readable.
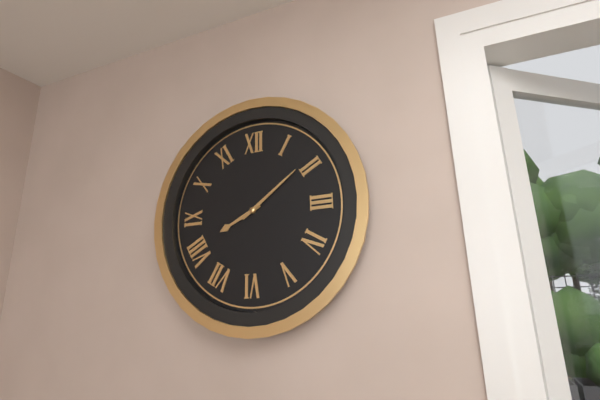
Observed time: 8:09
